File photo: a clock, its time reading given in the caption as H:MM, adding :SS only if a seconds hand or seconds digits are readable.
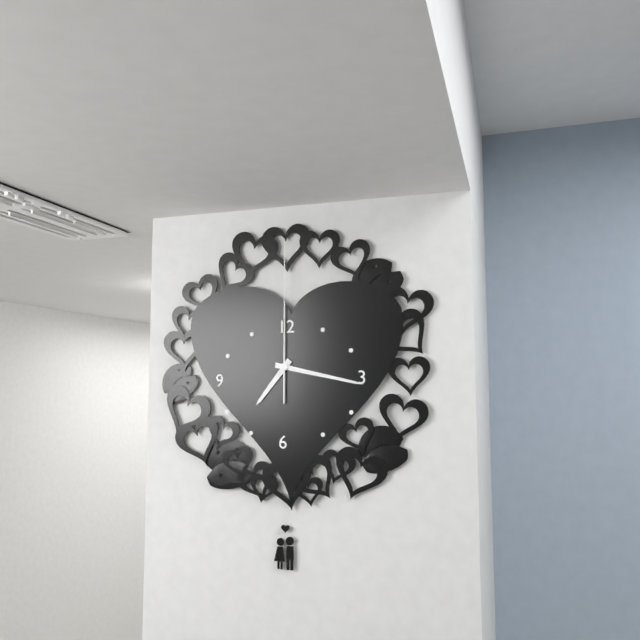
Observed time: 7:17:00
